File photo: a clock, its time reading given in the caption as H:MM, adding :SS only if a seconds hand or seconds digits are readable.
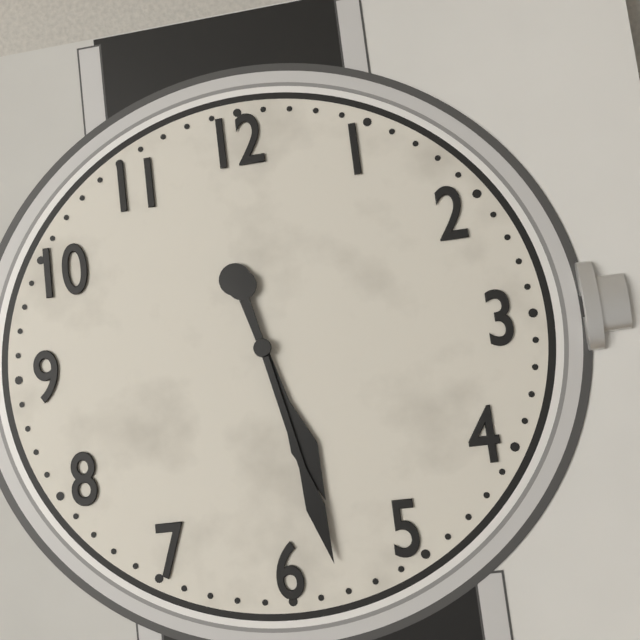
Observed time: 5:28
